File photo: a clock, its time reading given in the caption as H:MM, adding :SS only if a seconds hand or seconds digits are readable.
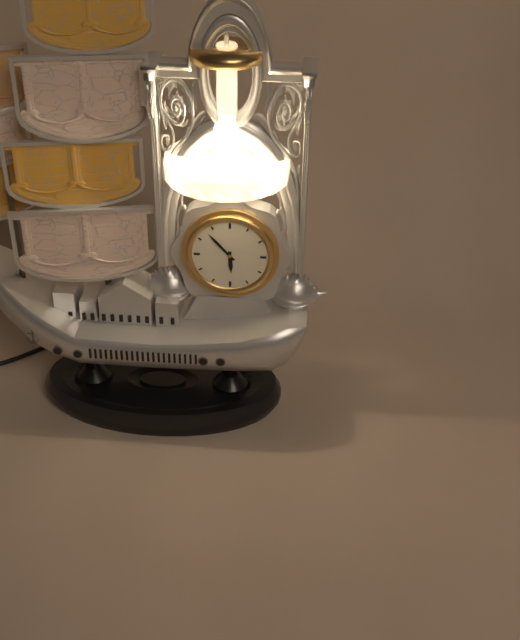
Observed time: 5:53
